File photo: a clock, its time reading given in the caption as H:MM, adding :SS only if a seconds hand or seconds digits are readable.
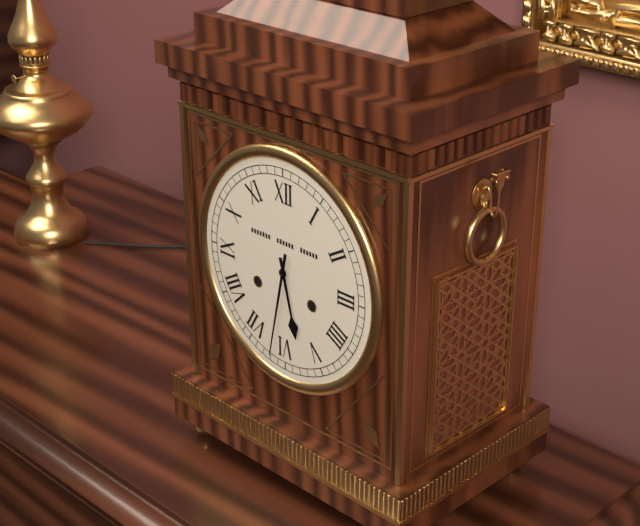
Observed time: 5:32
